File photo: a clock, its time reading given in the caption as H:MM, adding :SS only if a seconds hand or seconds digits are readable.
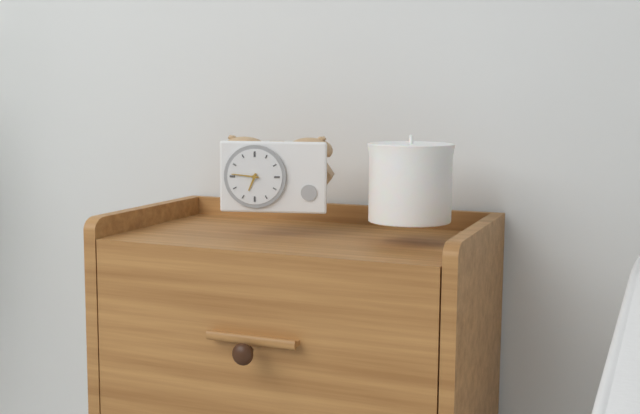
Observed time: 6:46
